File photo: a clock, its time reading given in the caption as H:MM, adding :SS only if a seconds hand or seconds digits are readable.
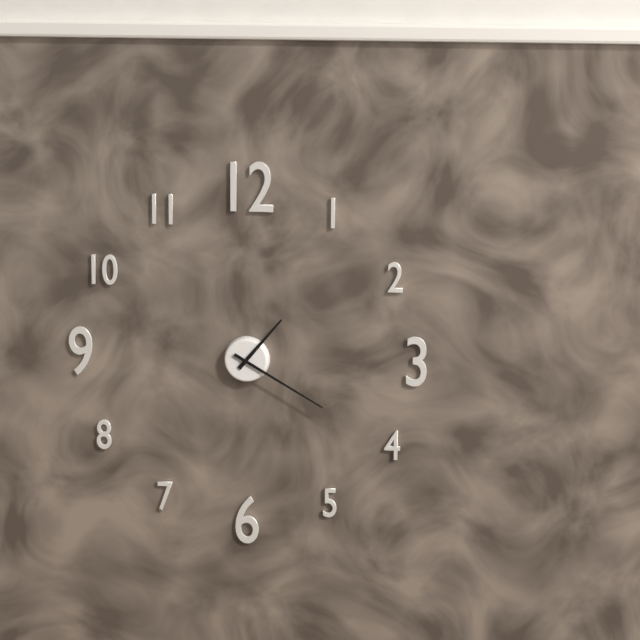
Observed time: 1:20
